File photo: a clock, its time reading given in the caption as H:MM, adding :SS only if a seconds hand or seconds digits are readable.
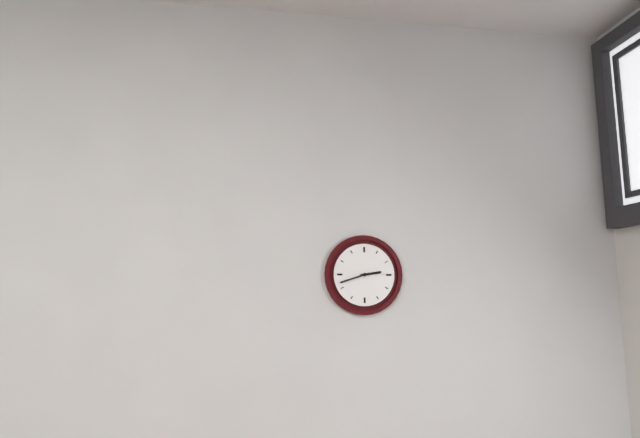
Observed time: 2:42
